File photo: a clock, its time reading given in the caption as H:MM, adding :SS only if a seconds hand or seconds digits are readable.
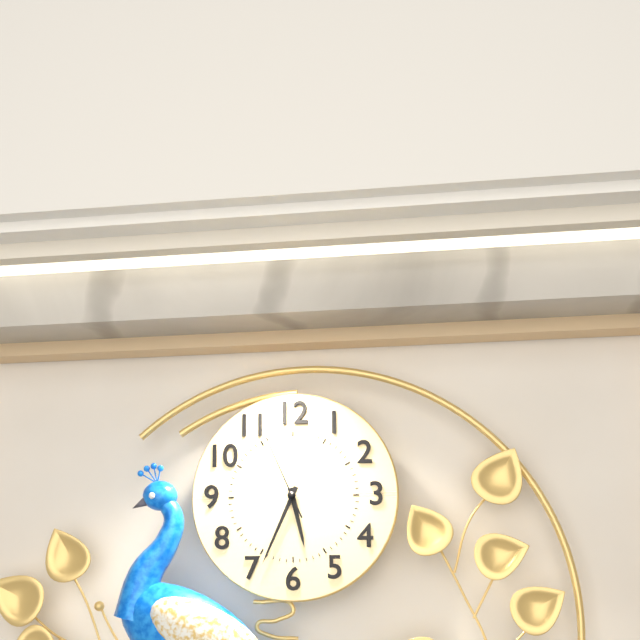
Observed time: 5:34:56
